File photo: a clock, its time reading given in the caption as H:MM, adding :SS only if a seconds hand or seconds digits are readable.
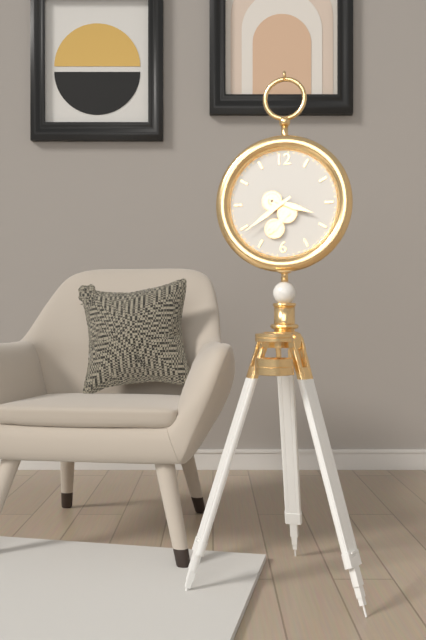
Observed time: 3:39
